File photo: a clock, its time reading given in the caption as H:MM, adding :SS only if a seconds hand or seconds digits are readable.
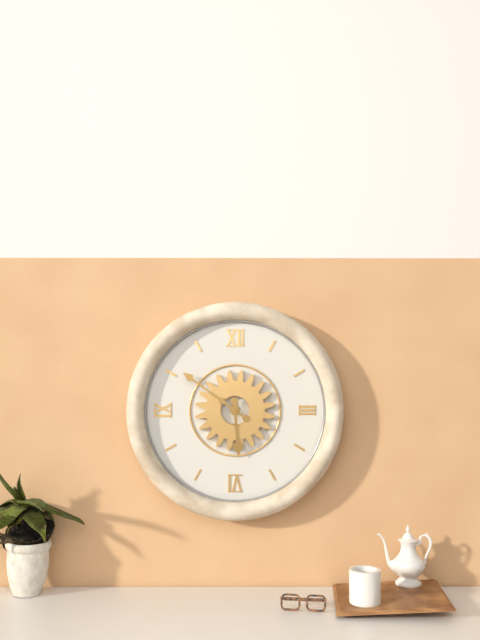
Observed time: 5:51
